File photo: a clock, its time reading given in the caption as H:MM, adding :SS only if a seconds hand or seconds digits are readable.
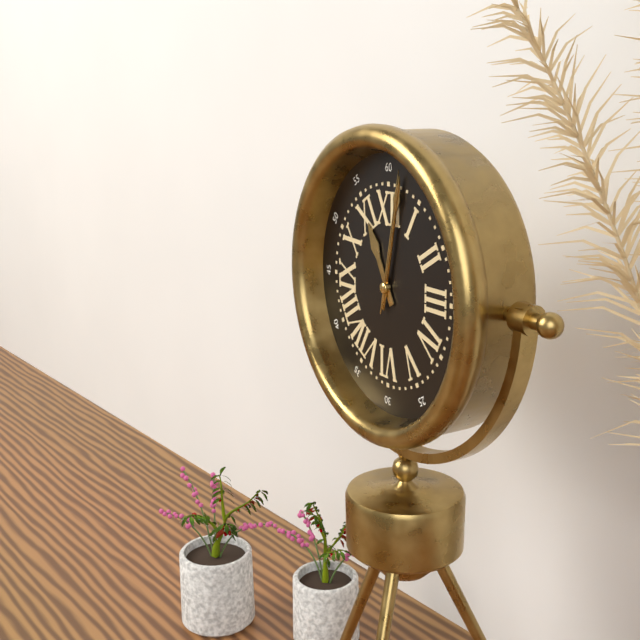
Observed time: 11:02:02
